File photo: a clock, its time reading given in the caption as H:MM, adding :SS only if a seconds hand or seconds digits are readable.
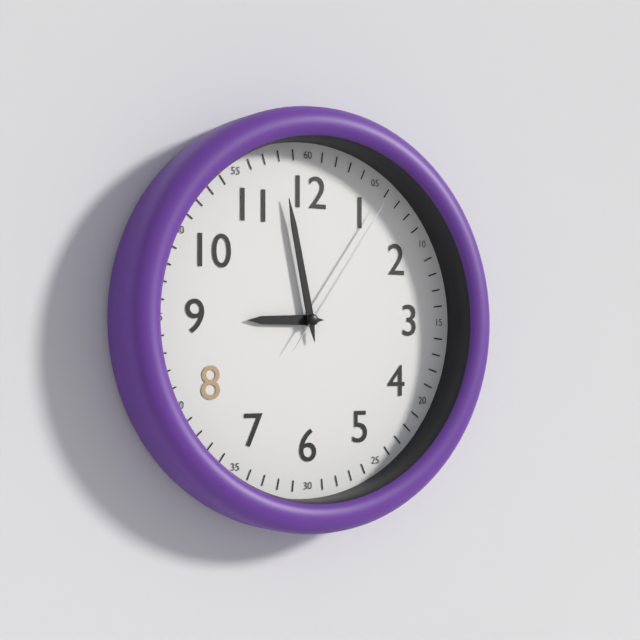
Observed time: 8:58:06
